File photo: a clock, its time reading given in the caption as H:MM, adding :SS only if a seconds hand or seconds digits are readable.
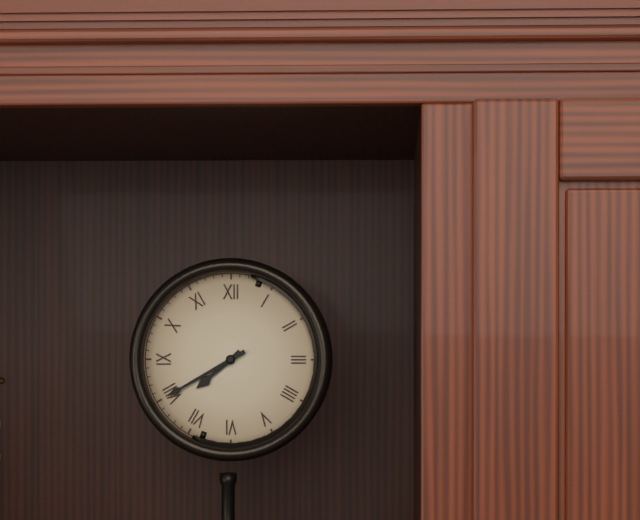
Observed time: 7:40
